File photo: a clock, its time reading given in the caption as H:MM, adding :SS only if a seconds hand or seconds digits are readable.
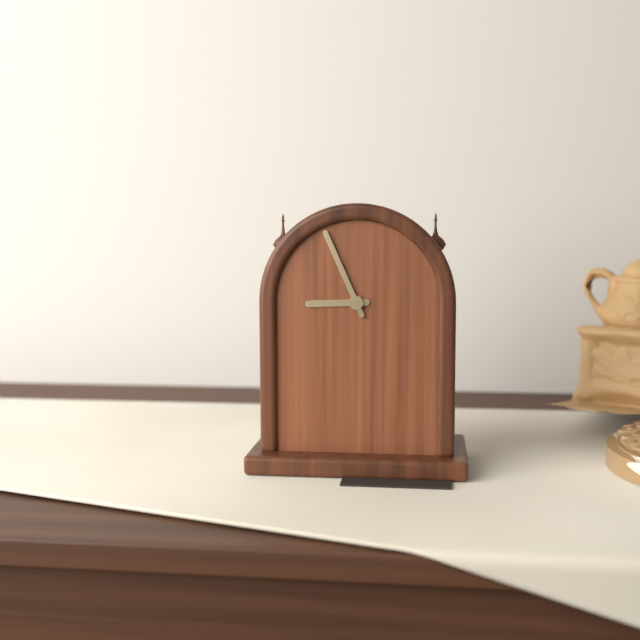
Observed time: 8:56
